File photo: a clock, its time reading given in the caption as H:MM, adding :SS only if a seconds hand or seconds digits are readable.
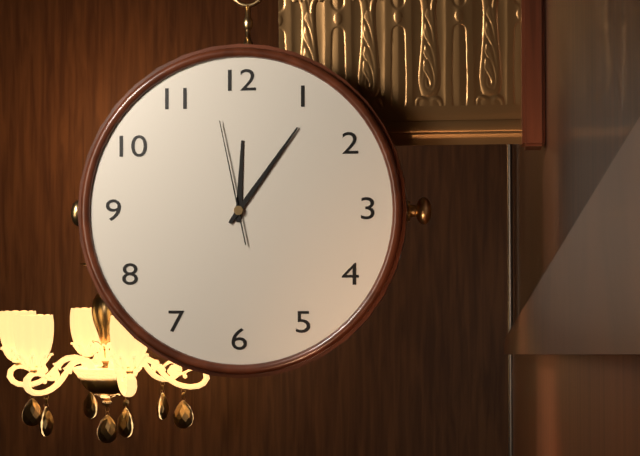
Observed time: 12:06:58
